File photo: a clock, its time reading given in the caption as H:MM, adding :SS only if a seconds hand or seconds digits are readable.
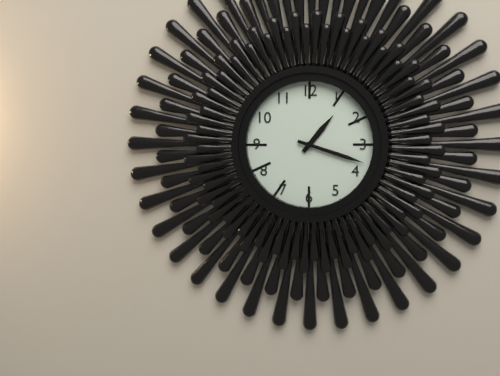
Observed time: 1:18
